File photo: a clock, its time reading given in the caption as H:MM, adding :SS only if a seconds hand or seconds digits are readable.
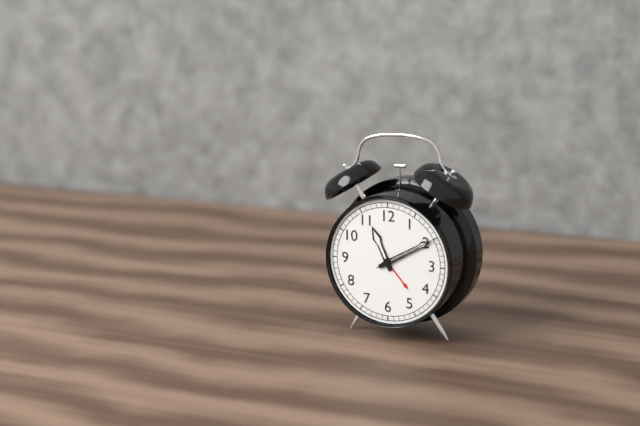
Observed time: 11:10:10
